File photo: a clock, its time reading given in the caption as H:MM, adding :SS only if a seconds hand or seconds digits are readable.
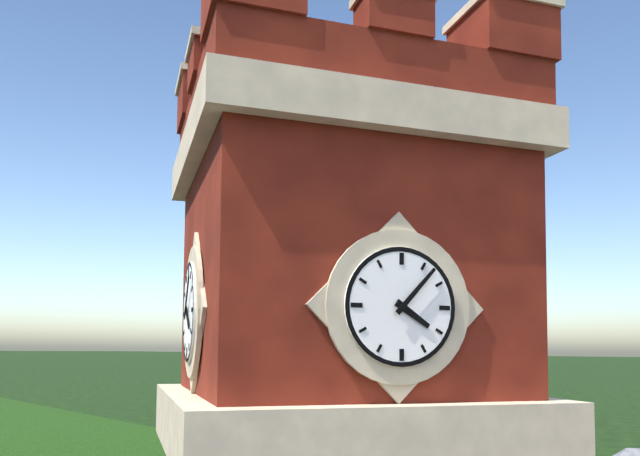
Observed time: 4:07
